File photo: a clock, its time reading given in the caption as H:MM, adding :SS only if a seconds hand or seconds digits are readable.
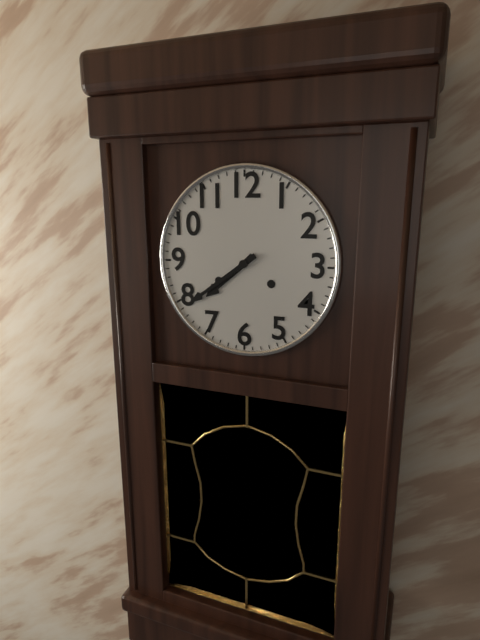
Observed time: 7:39
